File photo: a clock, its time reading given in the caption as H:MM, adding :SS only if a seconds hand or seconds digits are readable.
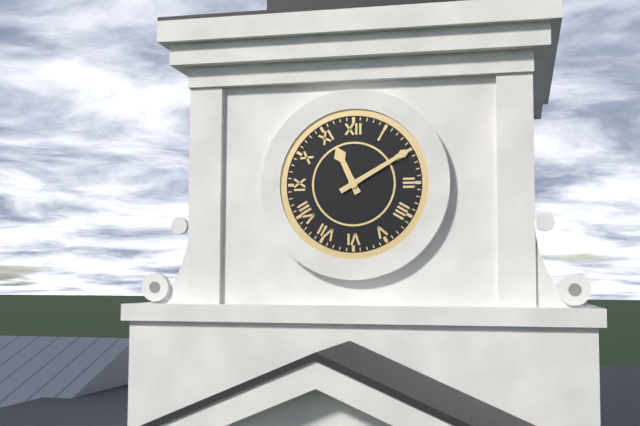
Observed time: 11:10
